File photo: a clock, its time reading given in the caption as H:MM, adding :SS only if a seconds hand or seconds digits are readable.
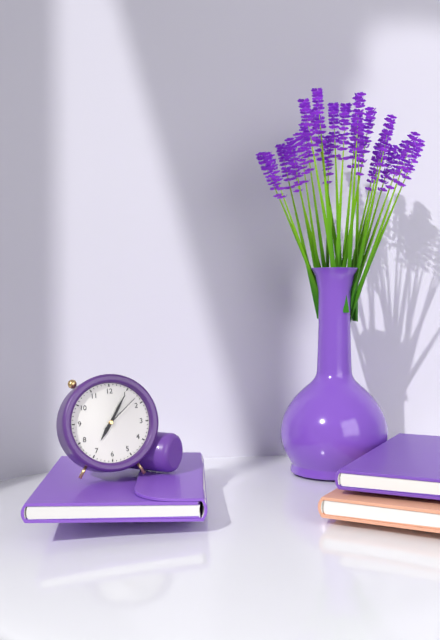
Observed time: 7:05
